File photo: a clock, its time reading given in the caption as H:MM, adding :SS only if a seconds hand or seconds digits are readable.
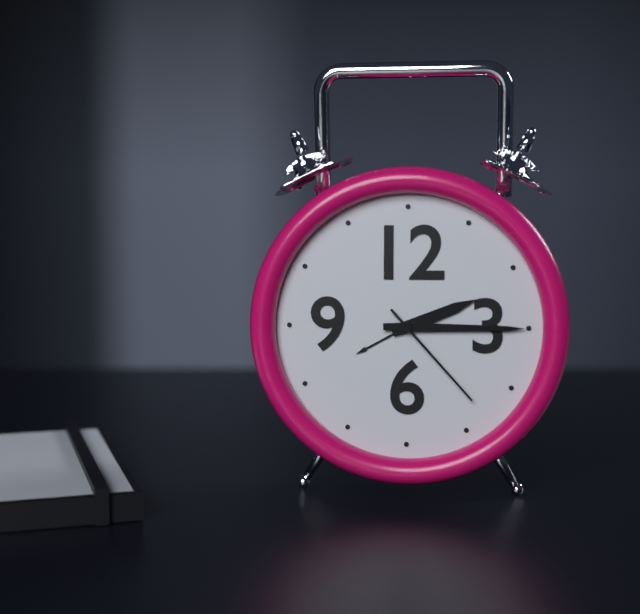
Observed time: 2:15:23
